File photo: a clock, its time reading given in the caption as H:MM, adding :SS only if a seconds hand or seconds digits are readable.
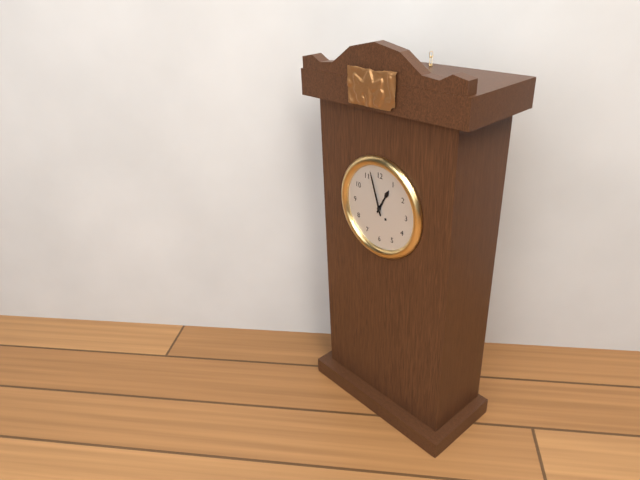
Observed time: 12:57
